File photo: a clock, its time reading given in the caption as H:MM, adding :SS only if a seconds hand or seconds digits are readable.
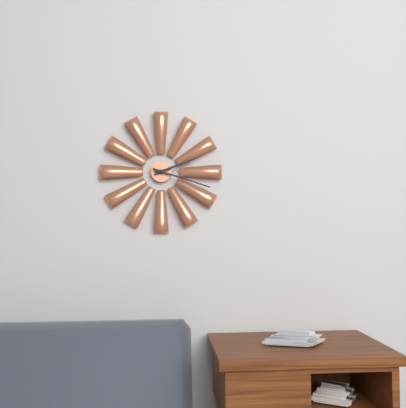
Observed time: 2:18
